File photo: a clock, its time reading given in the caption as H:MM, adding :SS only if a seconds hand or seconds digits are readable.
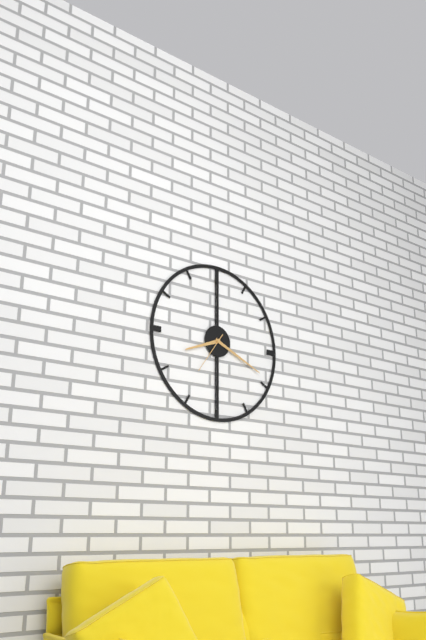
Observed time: 8:19
